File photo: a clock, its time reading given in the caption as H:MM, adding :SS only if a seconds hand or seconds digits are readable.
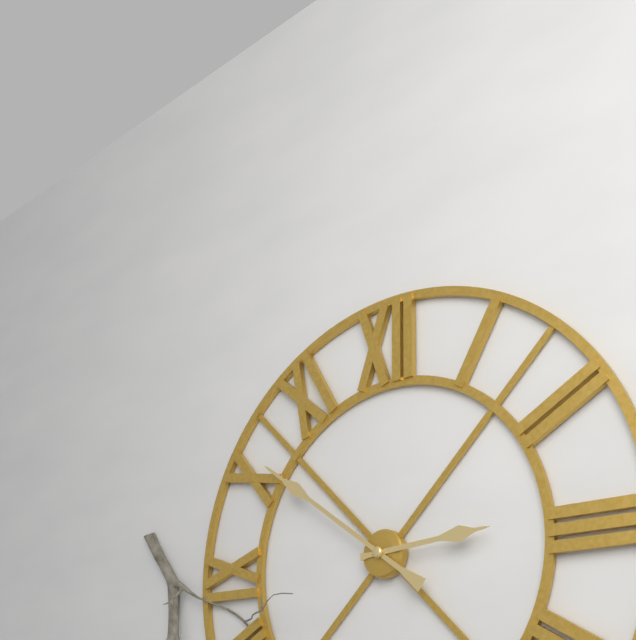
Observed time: 2:51
